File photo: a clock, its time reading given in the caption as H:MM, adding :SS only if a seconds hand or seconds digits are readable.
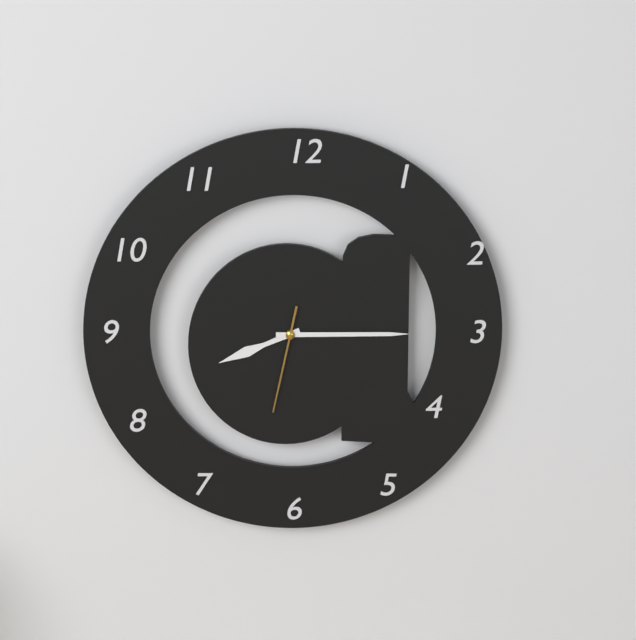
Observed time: 8:15:32
